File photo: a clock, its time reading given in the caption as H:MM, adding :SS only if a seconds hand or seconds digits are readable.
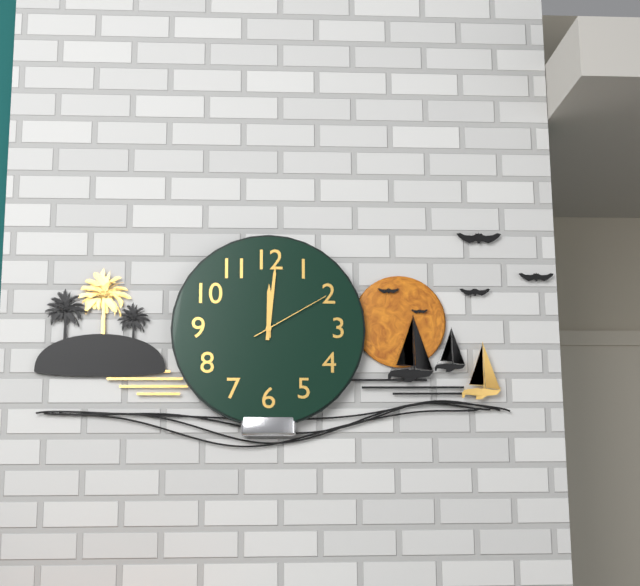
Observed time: 12:01:10
